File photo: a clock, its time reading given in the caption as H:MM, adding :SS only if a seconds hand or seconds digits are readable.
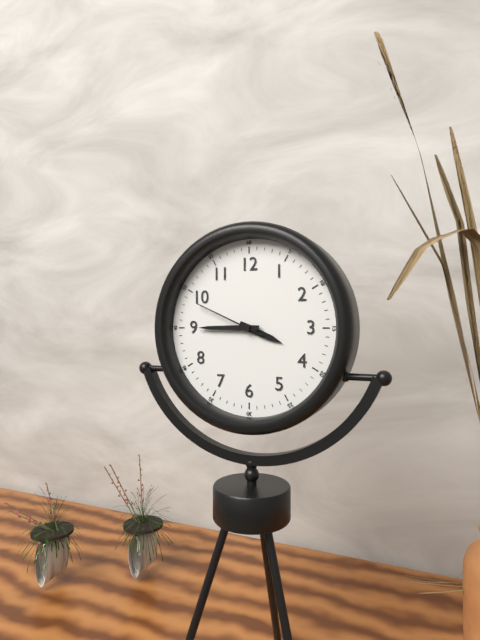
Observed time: 3:45:49
